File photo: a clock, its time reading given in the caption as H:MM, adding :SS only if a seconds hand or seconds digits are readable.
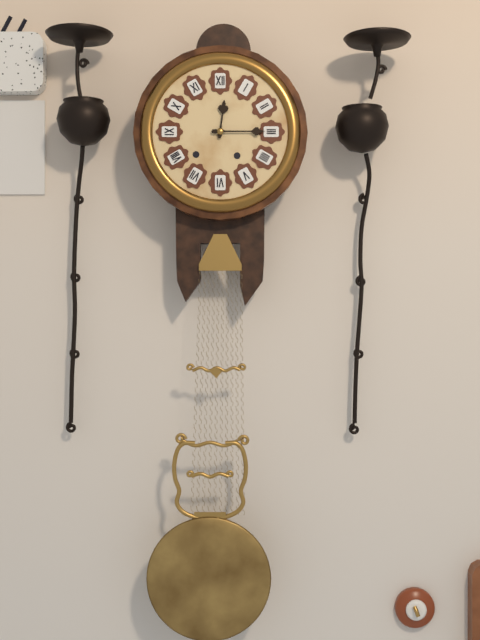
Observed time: 12:15
